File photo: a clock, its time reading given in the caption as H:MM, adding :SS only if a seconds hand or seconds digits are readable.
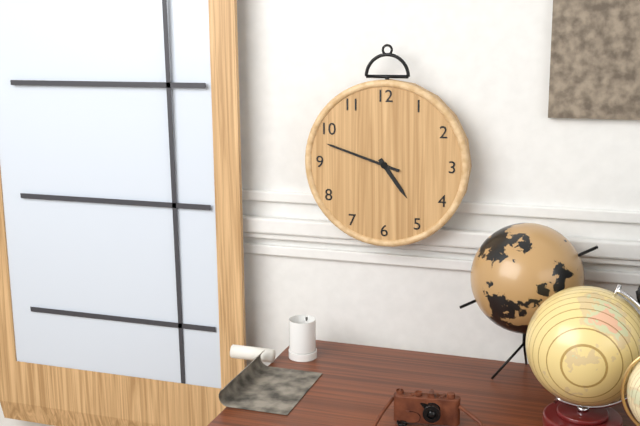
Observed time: 4:48
